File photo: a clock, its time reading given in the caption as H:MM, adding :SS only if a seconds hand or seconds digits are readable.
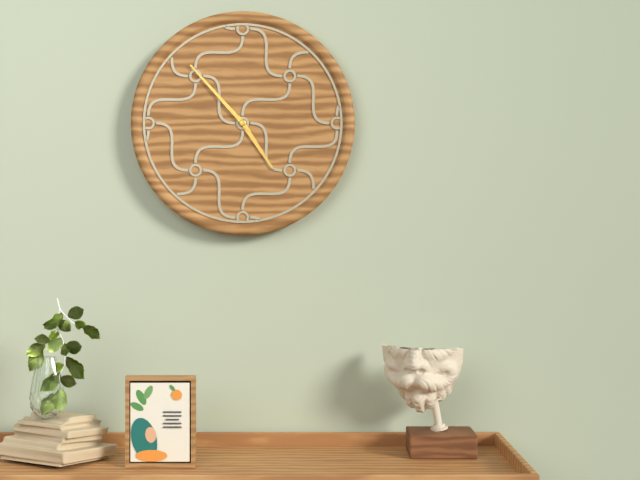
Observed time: 4:53
